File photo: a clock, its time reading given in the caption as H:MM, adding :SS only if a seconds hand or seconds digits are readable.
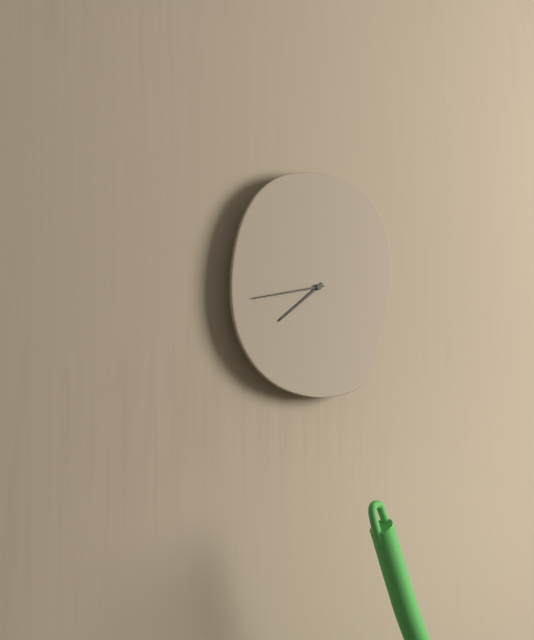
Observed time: 7:43
